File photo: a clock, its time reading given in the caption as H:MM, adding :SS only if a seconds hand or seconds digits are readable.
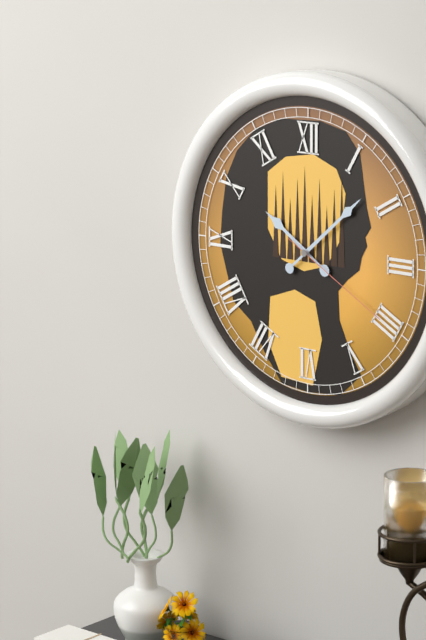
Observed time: 10:08:20
